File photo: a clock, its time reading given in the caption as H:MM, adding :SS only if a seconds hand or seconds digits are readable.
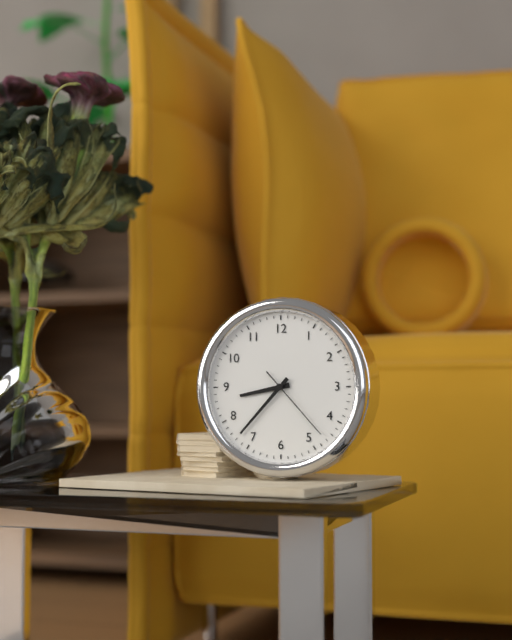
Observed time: 8:37:23
